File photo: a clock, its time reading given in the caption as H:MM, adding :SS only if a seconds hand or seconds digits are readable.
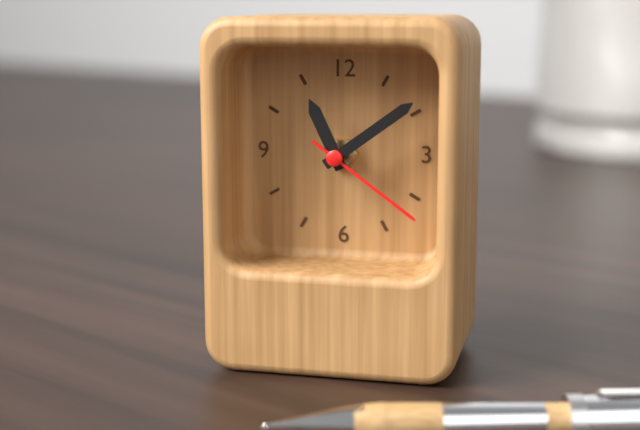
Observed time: 11:09:21
